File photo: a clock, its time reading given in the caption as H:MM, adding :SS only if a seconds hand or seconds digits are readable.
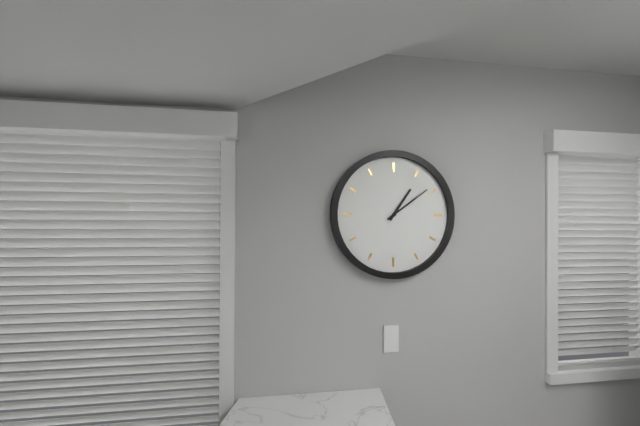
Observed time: 1:09
